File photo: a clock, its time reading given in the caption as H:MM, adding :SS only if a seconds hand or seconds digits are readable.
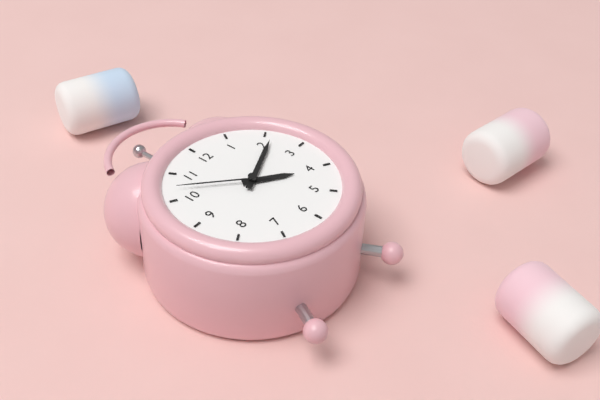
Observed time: 4:11:52
